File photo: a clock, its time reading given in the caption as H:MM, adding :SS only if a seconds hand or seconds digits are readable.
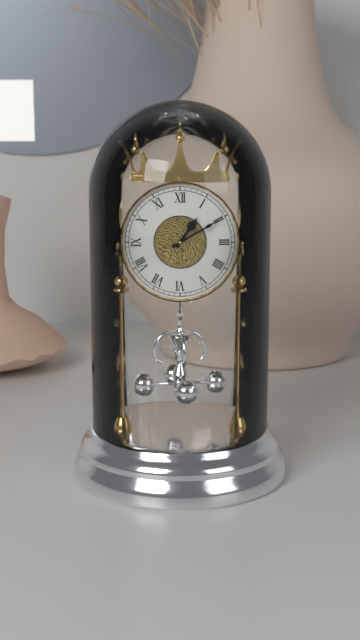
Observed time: 1:10
